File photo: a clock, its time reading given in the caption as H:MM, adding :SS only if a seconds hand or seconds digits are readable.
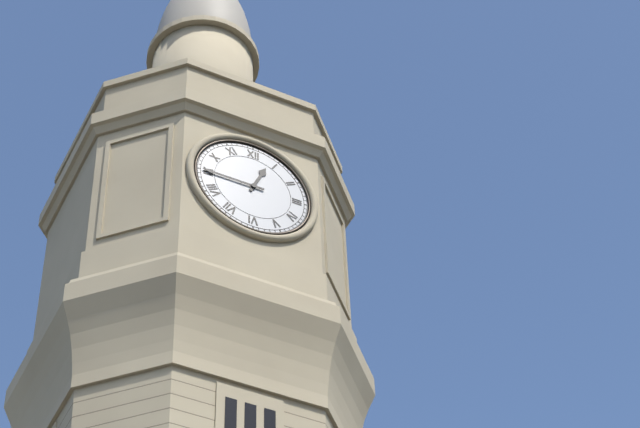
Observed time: 12:45
